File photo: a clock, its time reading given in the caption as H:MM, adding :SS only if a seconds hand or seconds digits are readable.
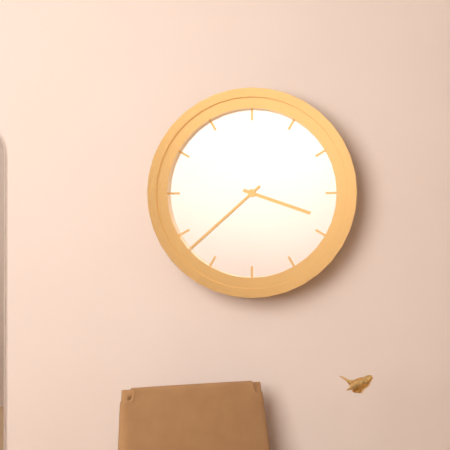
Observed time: 3:38
